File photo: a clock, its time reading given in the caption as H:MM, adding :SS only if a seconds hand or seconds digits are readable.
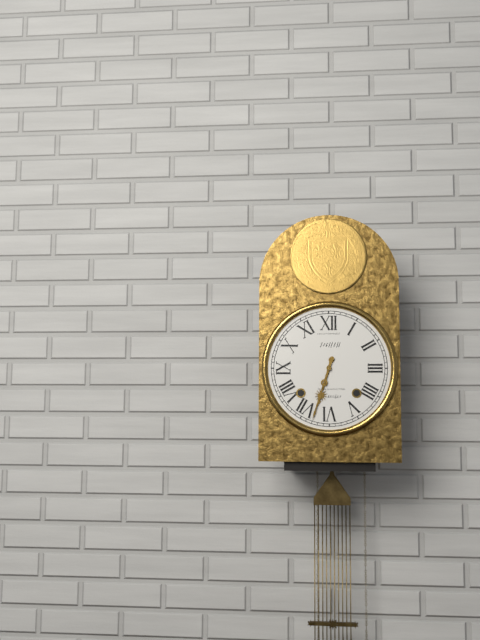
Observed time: 6:33
